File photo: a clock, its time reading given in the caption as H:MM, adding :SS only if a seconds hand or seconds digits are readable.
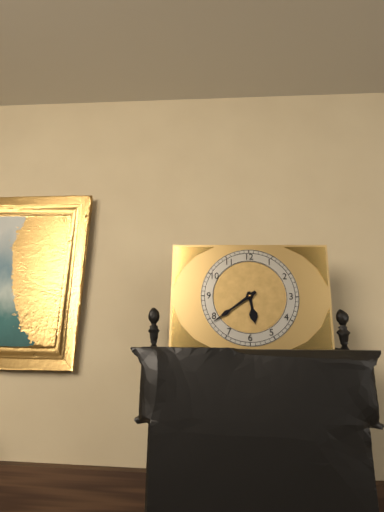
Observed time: 5:39
